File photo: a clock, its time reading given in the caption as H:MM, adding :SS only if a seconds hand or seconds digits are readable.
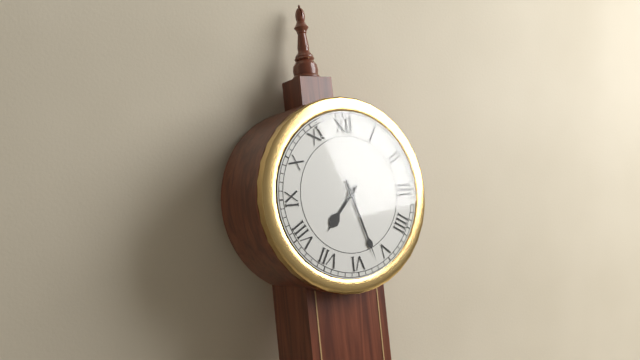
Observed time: 7:27
